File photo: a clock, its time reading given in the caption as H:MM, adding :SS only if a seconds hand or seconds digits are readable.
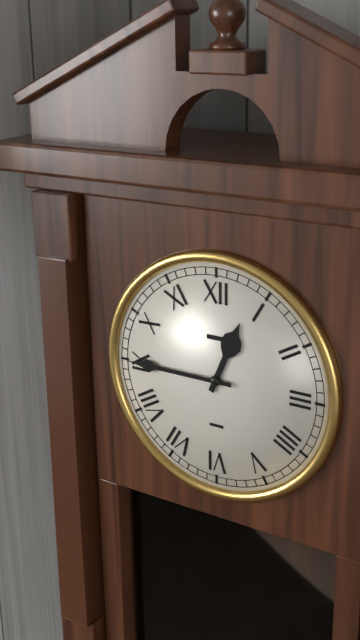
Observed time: 12:45
